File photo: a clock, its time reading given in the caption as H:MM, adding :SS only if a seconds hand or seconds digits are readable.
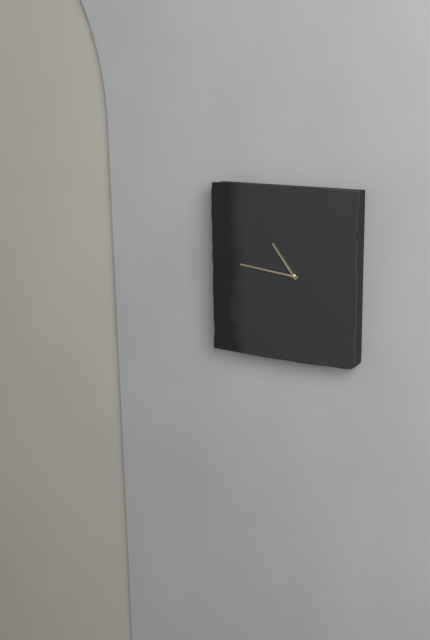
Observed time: 10:46
